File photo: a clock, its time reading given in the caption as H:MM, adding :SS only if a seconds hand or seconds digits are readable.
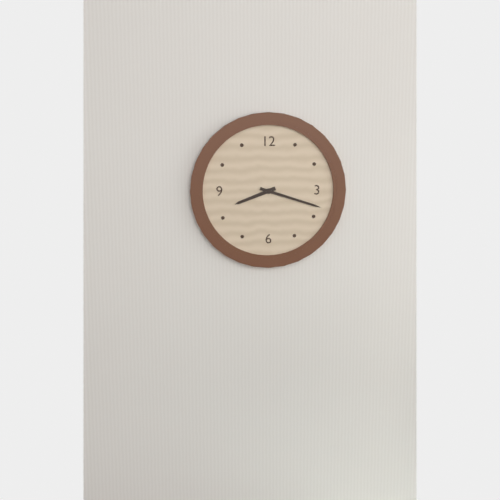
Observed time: 8:18
